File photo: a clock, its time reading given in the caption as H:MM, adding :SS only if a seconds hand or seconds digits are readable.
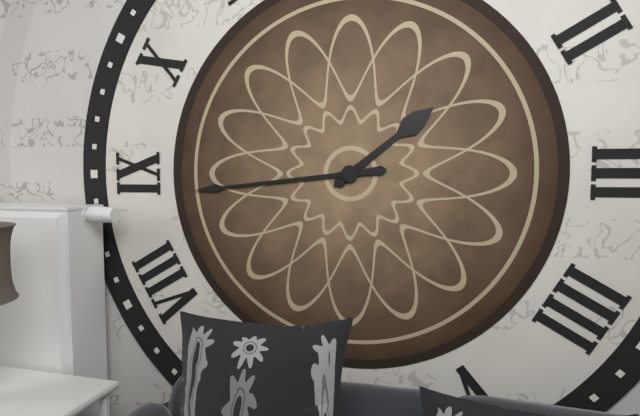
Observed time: 1:44
